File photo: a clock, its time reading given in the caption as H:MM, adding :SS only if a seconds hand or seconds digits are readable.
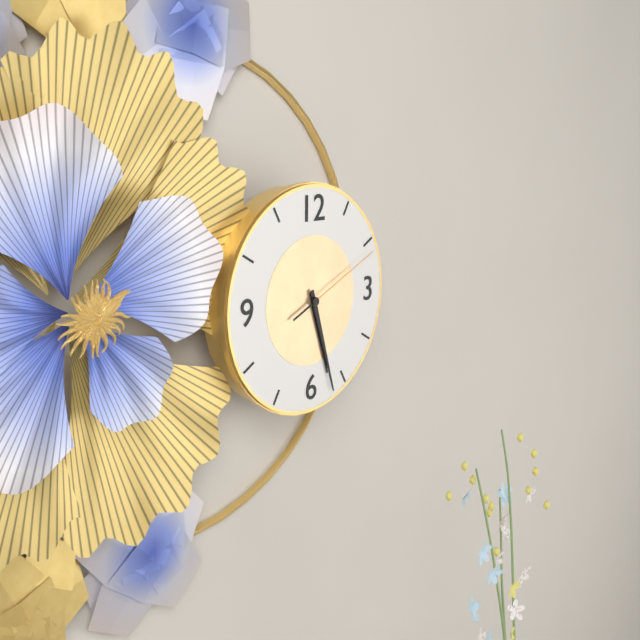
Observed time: 5:27:11
